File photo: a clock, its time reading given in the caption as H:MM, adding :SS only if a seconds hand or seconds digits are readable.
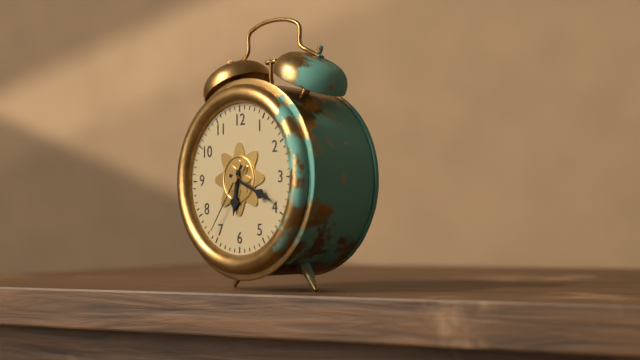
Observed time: 6:19:36
